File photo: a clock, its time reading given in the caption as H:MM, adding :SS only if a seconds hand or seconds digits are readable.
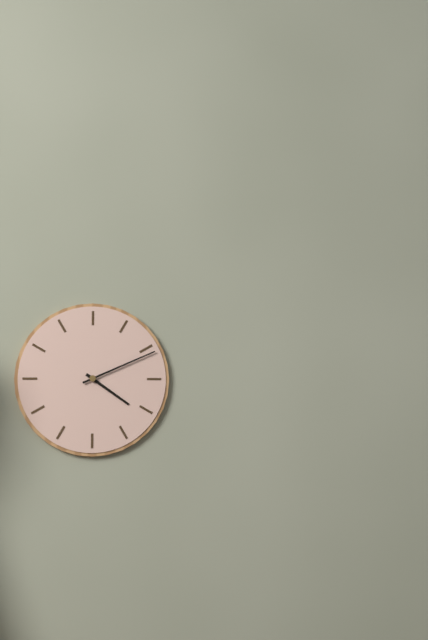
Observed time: 4:11
